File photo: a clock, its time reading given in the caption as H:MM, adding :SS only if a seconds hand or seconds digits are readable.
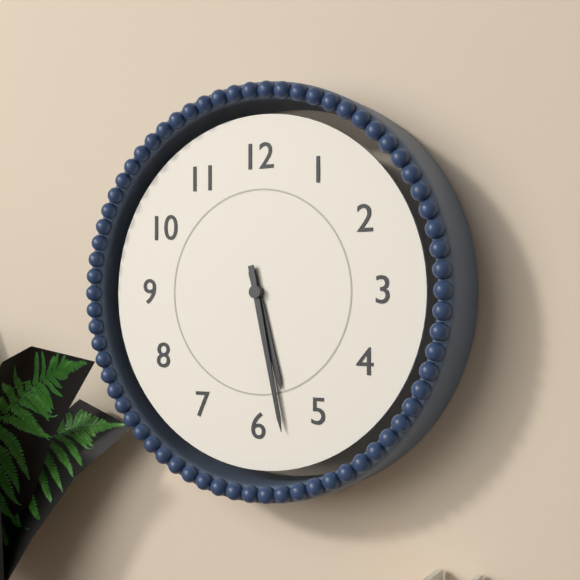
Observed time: 5:28
